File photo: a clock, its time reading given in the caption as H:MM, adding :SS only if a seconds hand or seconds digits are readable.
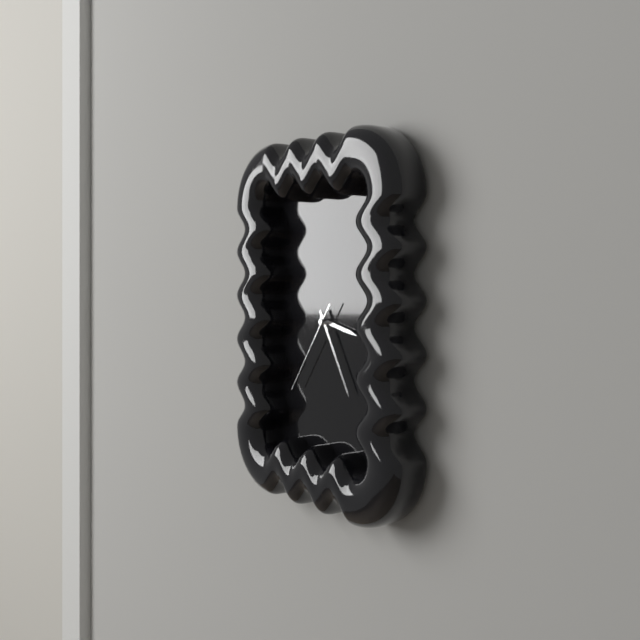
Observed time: 3:25:36
